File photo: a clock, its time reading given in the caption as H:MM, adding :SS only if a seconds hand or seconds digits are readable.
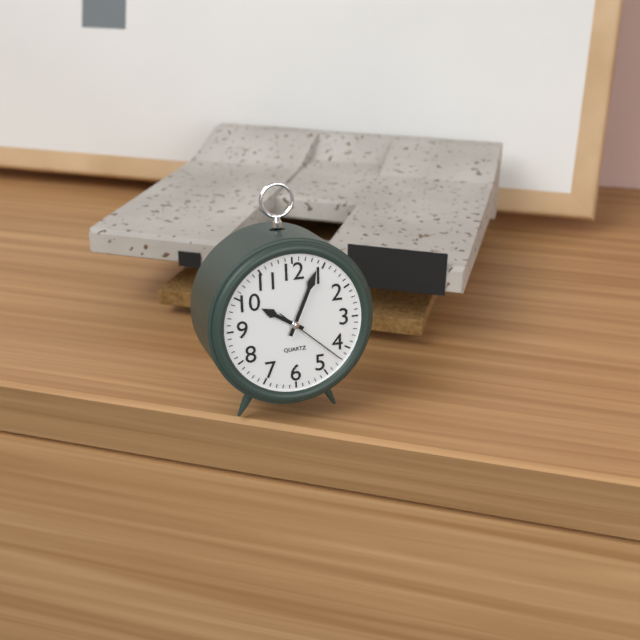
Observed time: 10:04:22
